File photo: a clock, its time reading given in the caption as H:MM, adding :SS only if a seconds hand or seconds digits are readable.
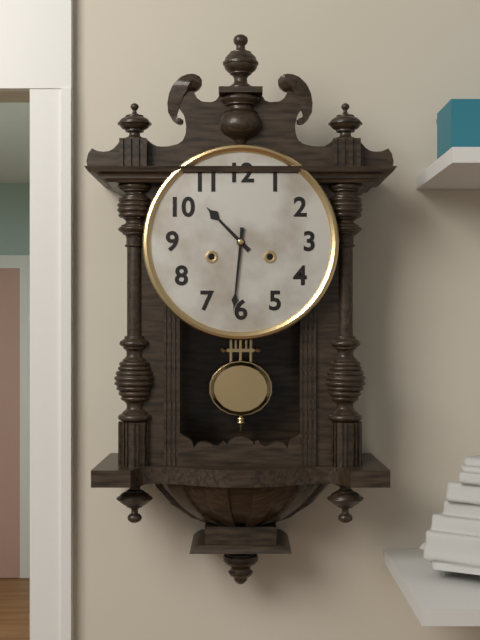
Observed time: 10:31
